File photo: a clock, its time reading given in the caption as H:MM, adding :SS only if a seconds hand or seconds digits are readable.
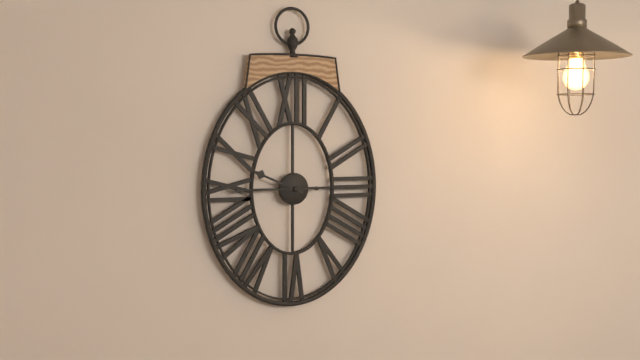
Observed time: 9:45
